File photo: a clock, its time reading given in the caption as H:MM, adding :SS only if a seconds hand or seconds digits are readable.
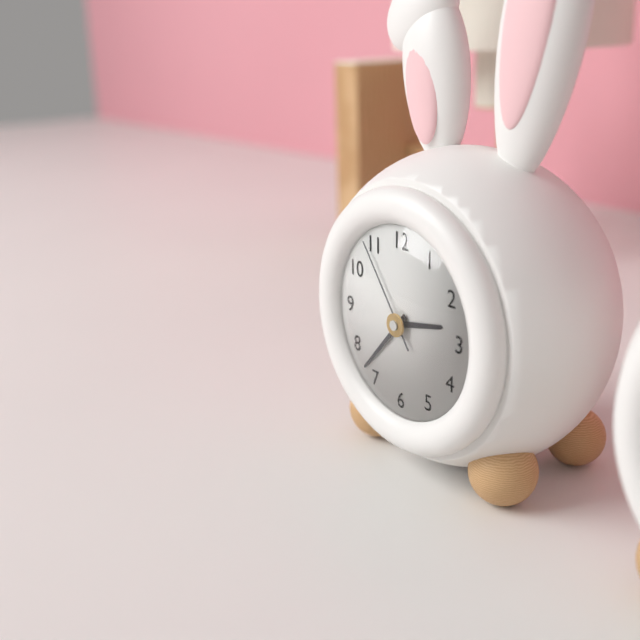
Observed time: 2:37:54
